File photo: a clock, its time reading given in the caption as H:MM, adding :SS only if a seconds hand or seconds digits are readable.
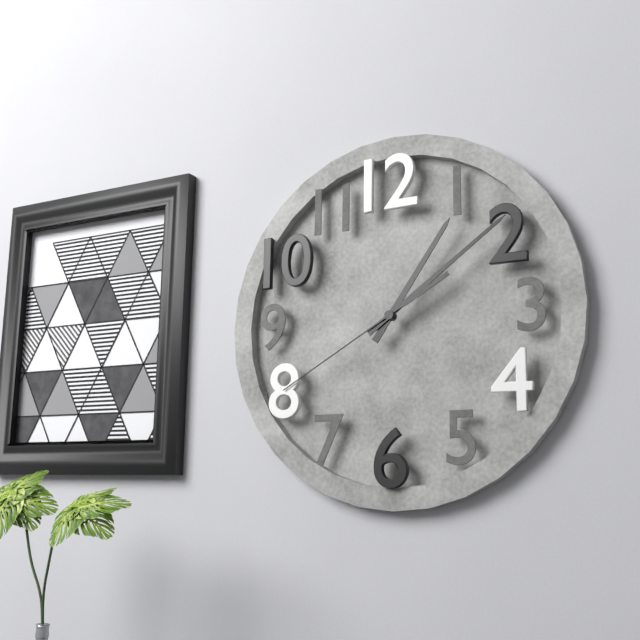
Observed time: 1:09:40
